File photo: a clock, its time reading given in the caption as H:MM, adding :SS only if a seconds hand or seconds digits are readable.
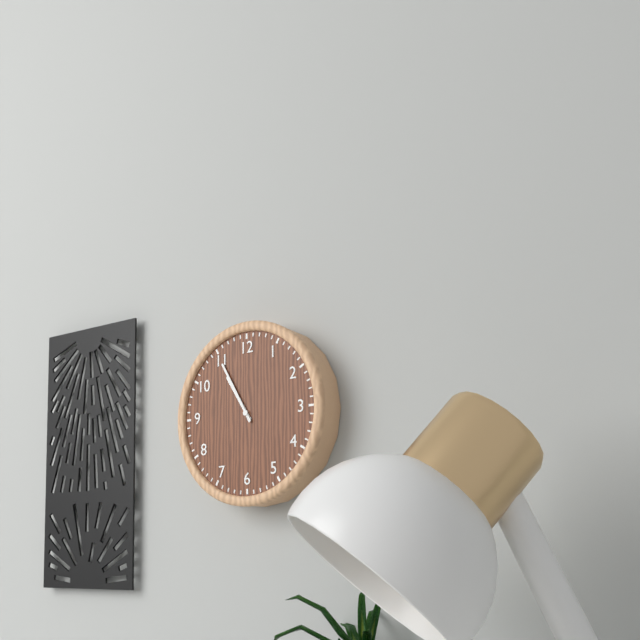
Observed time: 10:55
